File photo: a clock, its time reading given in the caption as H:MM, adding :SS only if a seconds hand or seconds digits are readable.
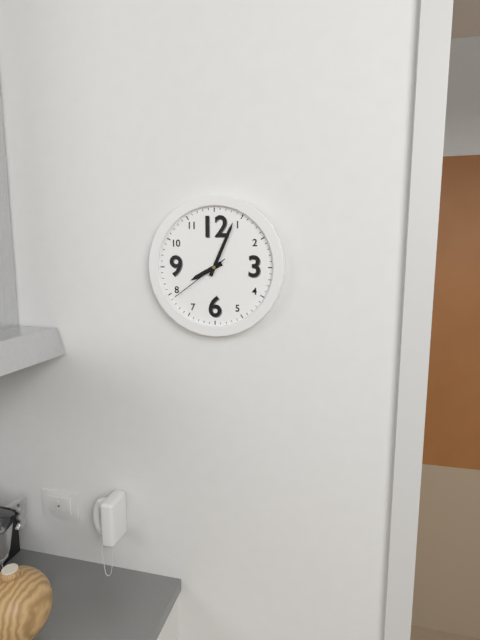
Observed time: 8:04:39
